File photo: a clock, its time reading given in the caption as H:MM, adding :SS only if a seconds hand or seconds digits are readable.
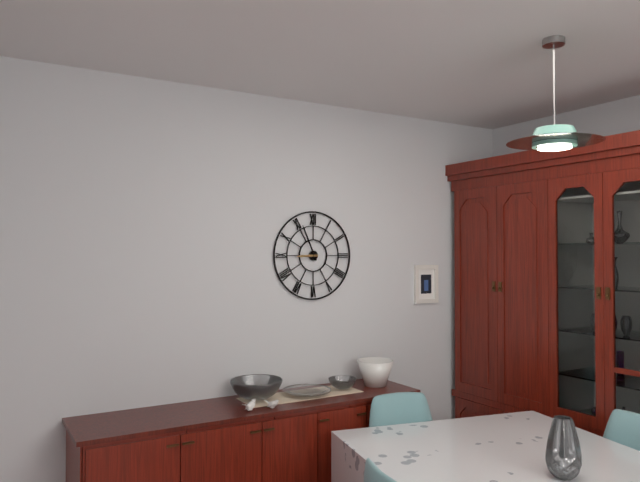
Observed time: 8:56
